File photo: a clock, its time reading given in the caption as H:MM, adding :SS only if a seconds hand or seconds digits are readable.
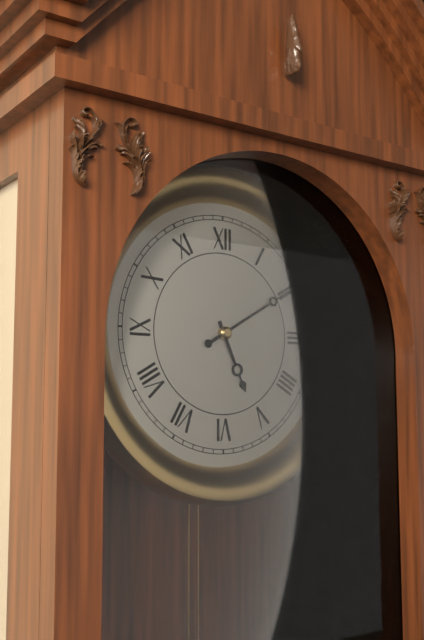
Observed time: 5:10
